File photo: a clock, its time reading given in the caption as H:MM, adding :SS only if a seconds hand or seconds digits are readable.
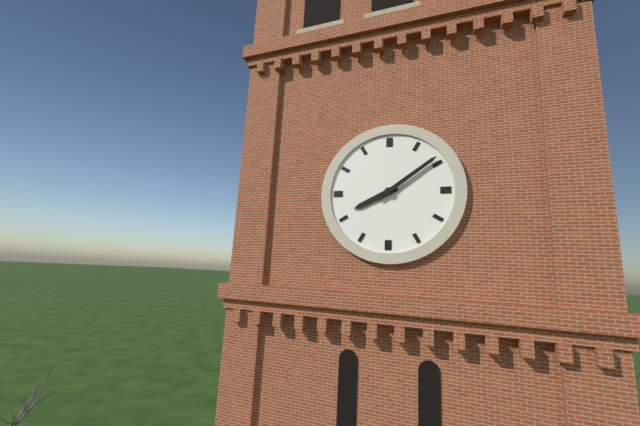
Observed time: 8:09
